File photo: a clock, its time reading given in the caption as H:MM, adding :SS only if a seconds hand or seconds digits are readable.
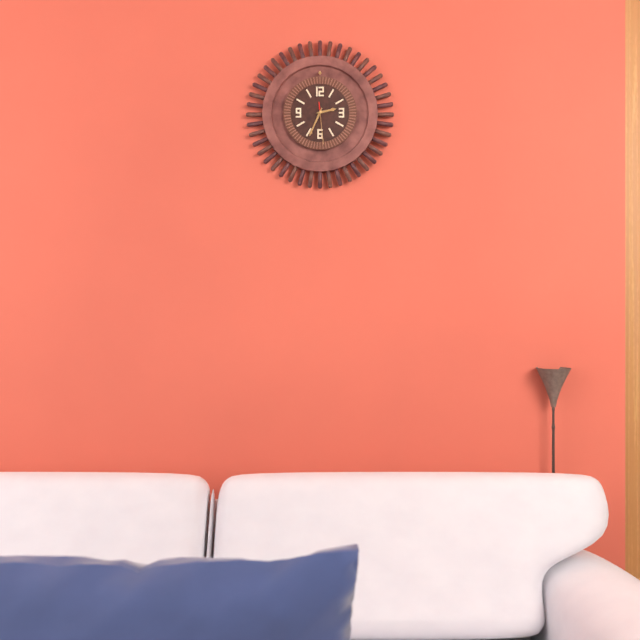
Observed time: 2:34
